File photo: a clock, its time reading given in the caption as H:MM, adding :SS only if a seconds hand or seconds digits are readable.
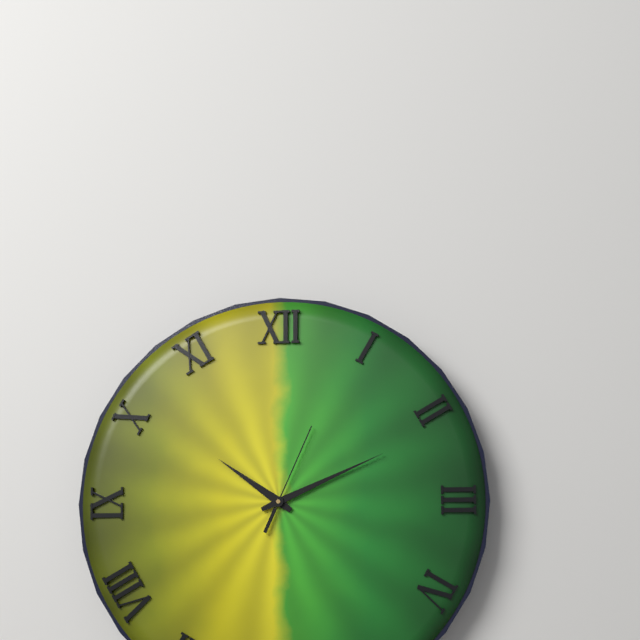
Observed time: 10:11:04
